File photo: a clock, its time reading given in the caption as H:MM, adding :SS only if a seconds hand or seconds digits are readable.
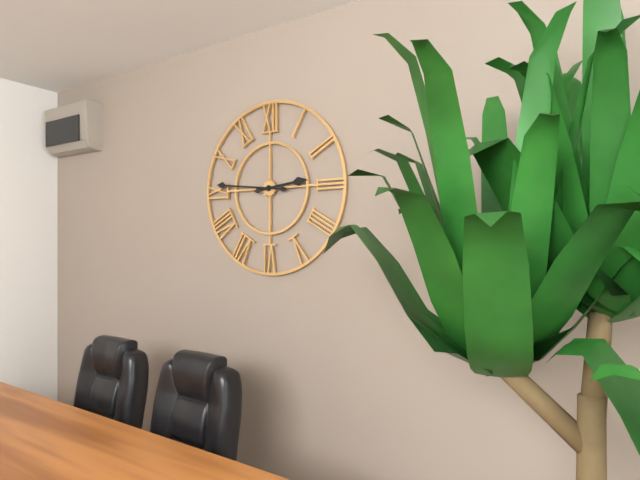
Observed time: 2:46
